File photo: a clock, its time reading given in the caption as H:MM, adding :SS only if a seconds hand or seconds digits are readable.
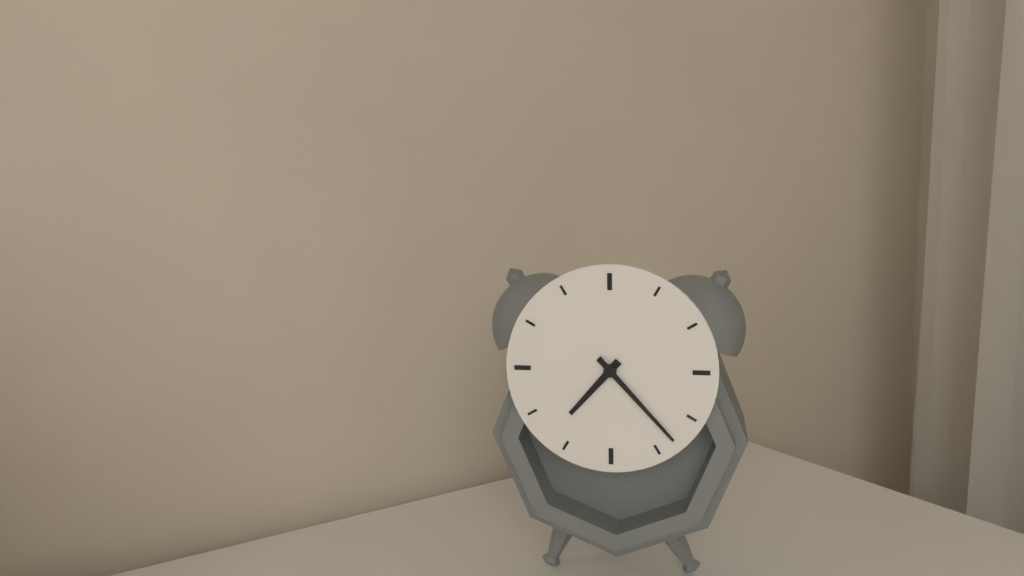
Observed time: 7:23
